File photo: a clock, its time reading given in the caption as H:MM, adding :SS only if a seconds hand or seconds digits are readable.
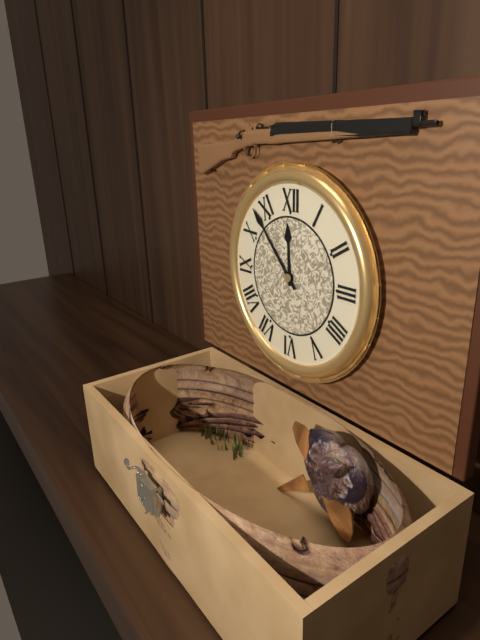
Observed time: 11:53
